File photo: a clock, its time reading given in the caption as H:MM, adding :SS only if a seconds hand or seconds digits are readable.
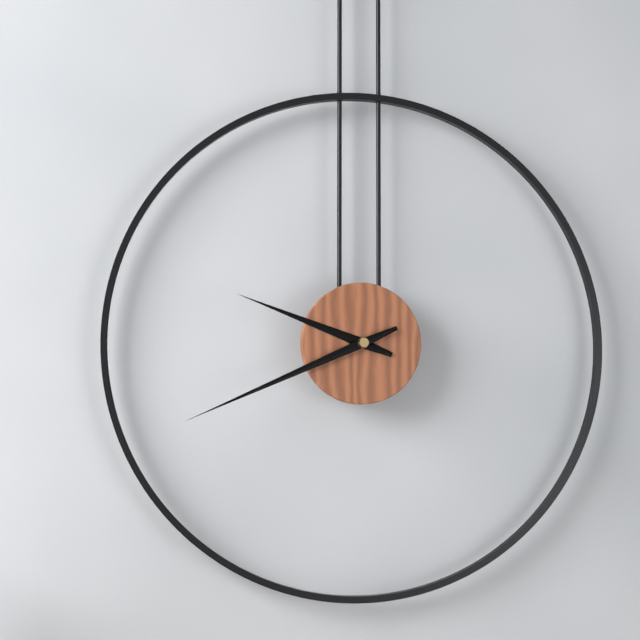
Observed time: 9:41
